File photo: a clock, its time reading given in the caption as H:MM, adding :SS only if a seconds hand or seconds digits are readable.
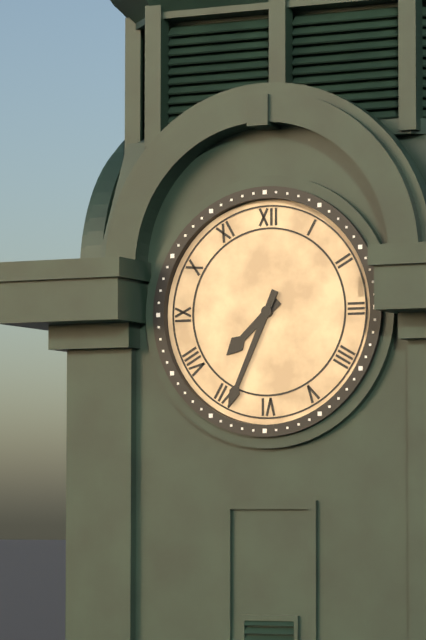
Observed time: 7:34
